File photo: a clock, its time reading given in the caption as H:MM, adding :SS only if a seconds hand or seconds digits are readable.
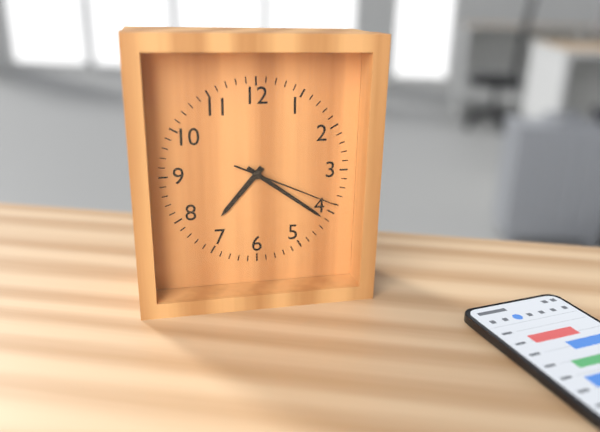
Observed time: 7:21:19
